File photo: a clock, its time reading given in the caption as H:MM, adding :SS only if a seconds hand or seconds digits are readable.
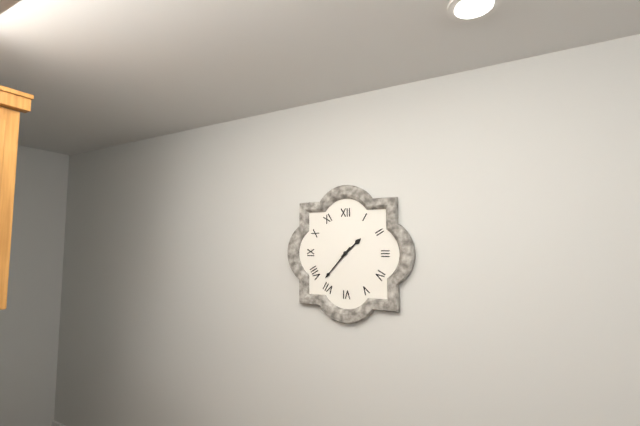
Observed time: 1:37
